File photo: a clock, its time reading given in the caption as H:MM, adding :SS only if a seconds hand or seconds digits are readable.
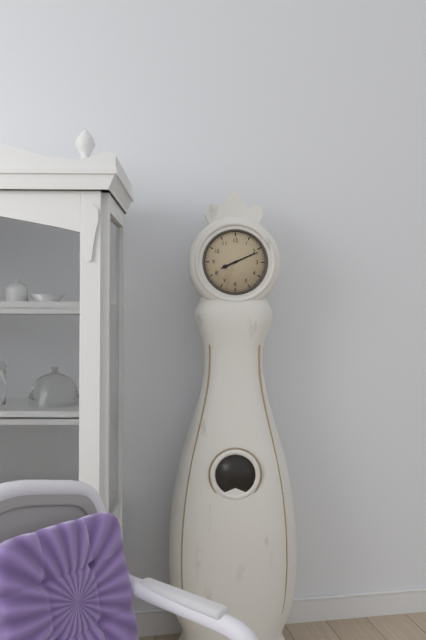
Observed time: 8:11
